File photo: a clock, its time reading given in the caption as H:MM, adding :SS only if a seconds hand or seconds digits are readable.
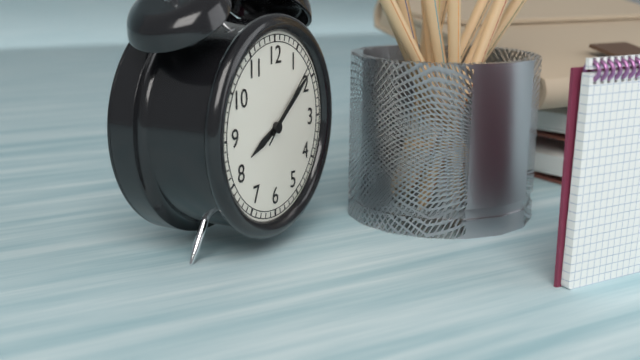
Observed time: 8:09:08
